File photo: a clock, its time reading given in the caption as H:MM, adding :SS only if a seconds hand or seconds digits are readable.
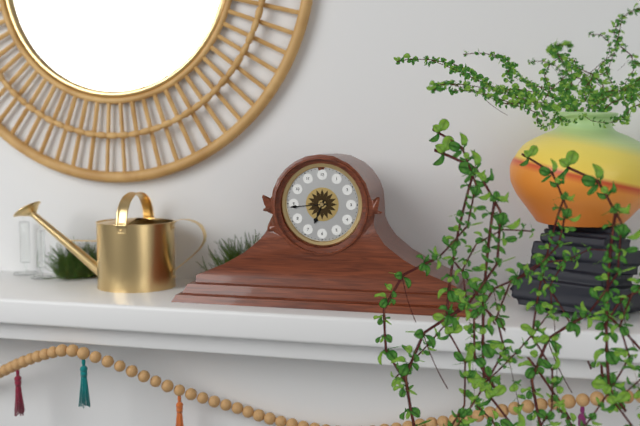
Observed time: 6:44
